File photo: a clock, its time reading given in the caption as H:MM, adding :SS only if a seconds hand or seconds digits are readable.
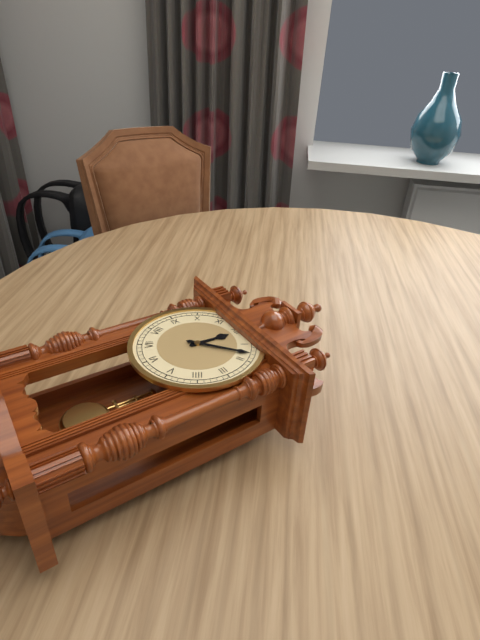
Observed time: 12:08
